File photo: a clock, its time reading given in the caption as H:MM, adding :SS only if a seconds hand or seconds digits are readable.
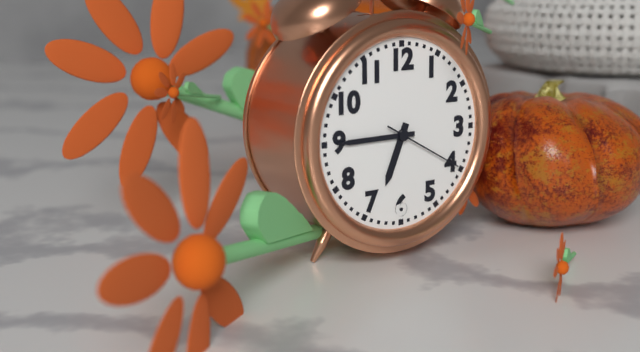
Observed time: 6:45:20
